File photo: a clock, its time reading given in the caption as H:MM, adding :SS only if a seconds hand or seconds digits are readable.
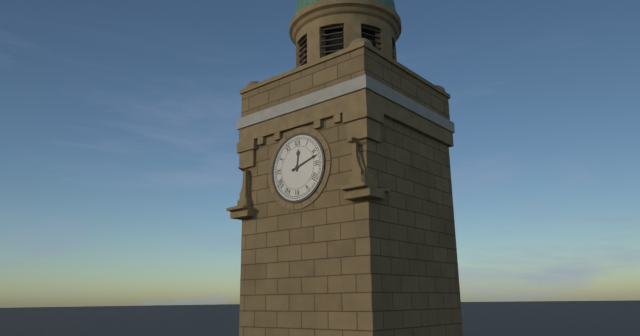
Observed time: 12:12
